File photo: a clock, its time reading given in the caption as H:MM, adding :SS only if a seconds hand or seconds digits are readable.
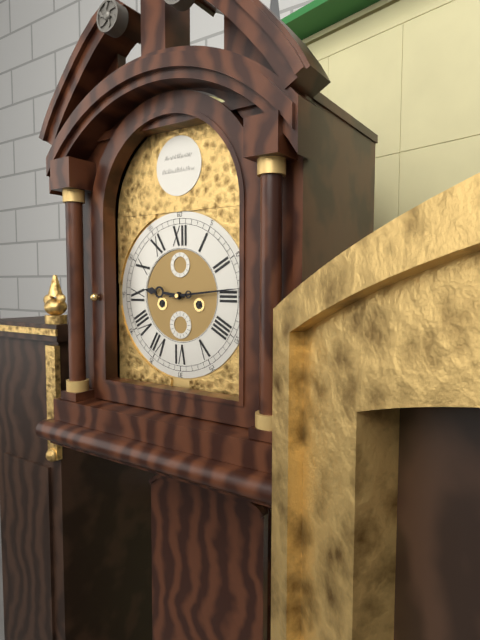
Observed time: 9:14
